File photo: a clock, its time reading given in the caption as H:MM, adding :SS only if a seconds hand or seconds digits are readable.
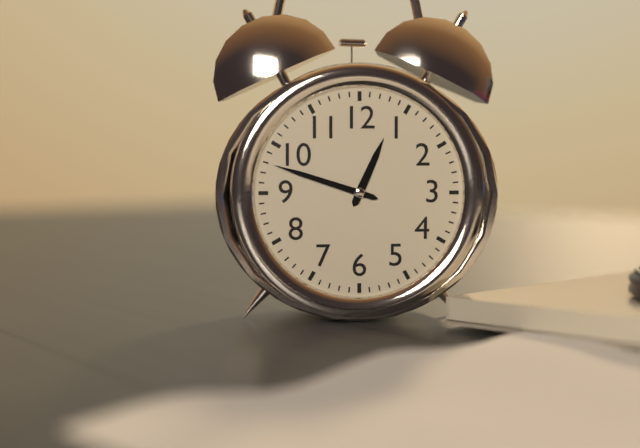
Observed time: 12:48
